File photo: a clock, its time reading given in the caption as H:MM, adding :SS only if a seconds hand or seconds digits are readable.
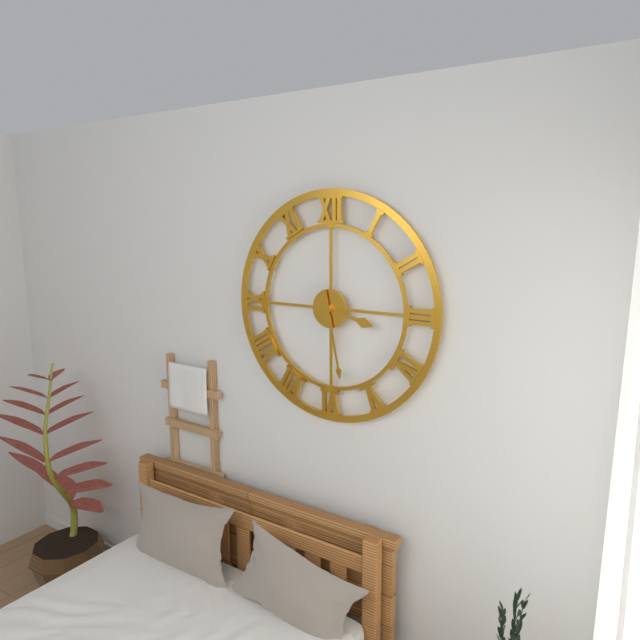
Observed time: 3:28
